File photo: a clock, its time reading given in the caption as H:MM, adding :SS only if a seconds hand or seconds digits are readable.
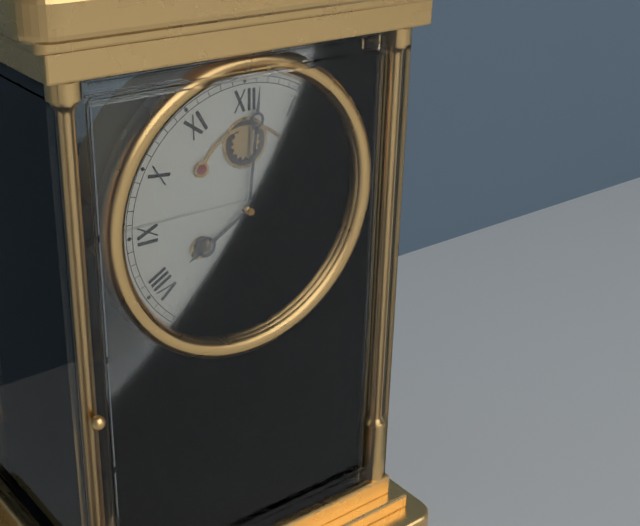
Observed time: 8:01
